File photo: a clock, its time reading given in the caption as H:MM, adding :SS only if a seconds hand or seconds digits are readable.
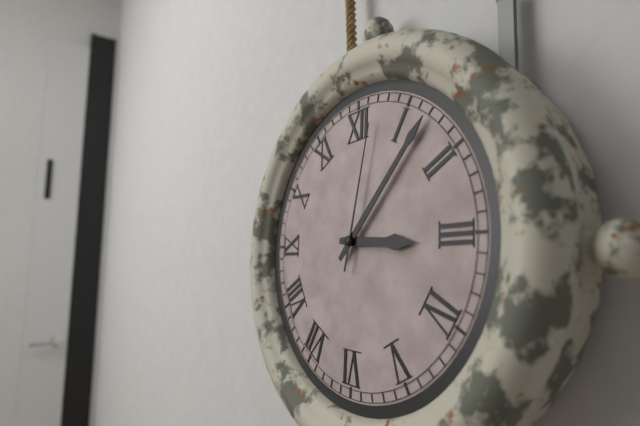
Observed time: 3:07:02
